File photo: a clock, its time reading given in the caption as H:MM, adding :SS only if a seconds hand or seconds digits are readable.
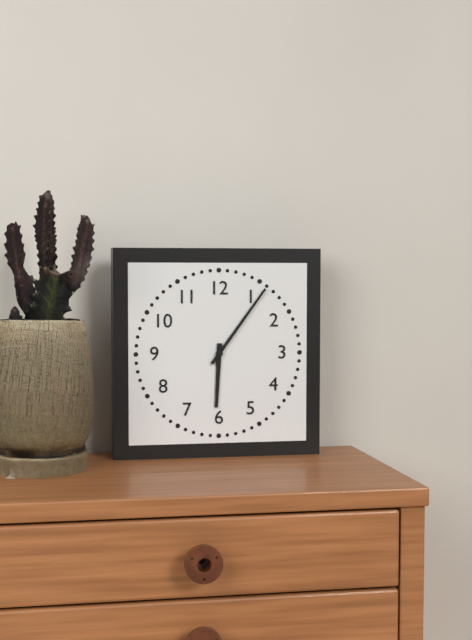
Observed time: 6:06
